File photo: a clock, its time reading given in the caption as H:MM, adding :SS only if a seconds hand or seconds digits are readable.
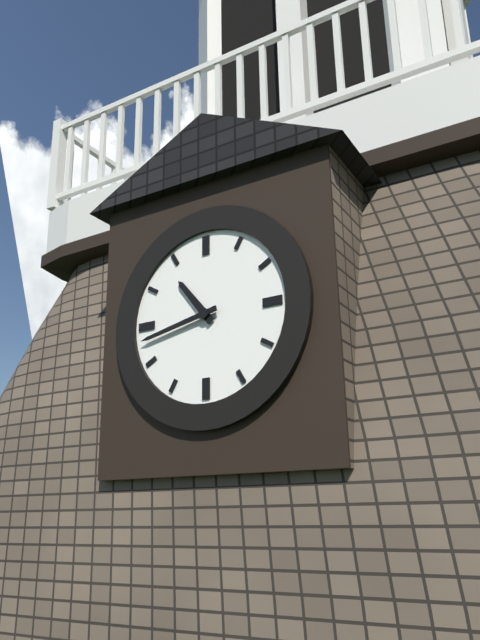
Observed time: 10:43
